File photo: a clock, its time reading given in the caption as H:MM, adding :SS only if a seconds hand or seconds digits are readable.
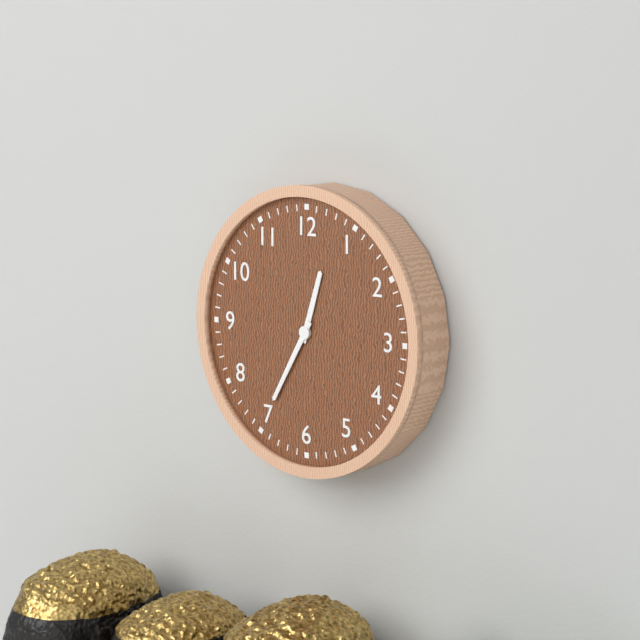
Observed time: 12:35
